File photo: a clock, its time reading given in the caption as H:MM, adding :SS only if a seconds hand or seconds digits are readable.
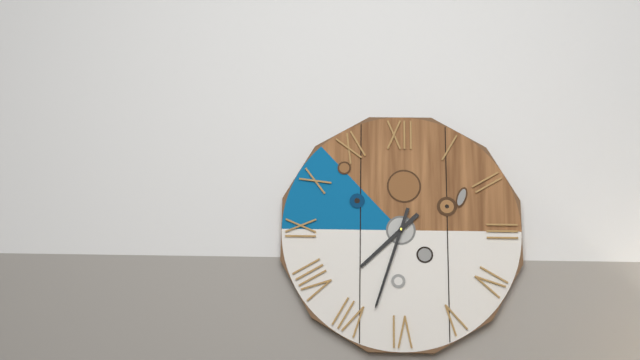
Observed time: 7:33
